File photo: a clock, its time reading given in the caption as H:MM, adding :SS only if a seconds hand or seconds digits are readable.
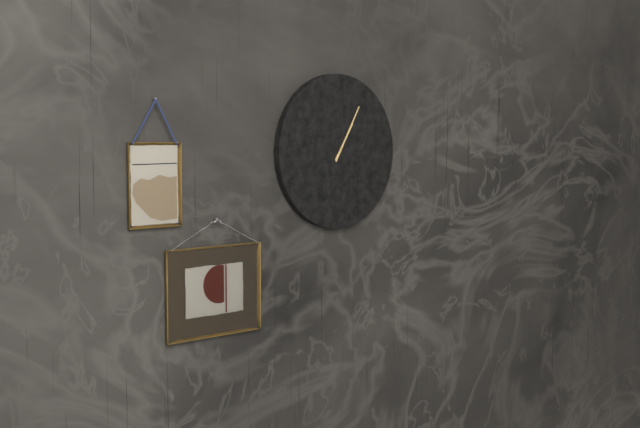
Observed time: 1:05
